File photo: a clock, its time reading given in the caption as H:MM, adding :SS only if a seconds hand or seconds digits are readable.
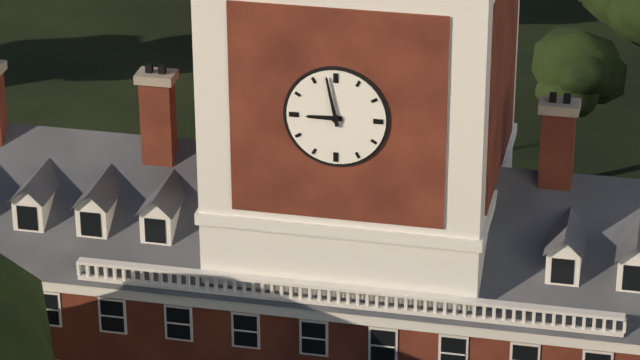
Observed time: 8:58
